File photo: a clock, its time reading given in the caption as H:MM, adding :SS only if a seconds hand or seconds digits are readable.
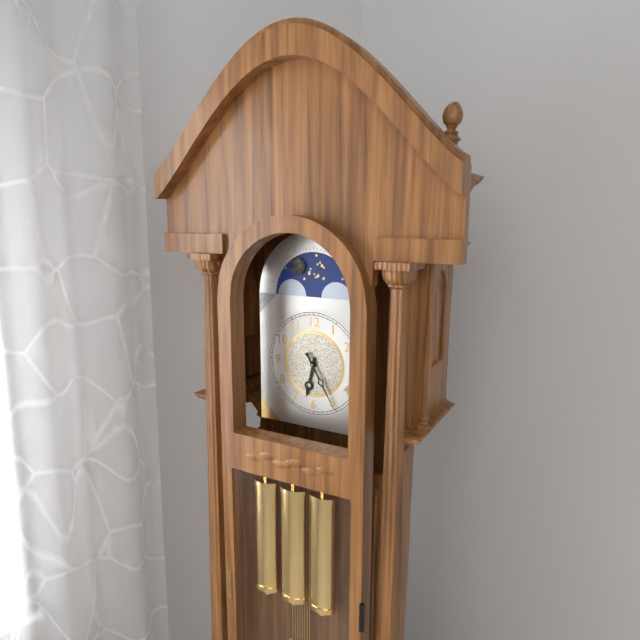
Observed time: 6:25
